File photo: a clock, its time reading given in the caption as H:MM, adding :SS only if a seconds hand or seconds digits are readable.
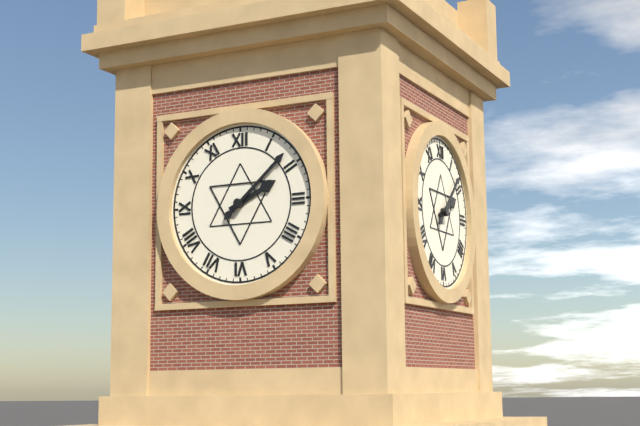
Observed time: 2:08
